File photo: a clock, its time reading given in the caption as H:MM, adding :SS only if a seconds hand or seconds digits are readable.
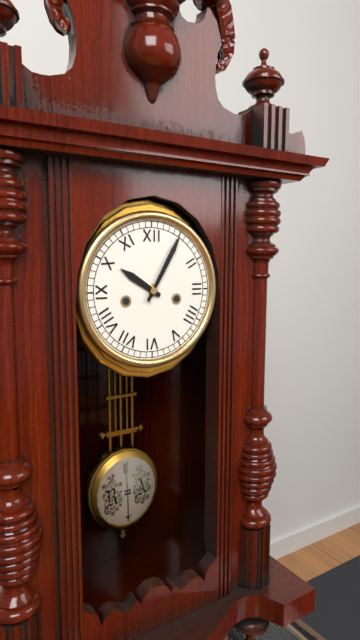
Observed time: 10:05
